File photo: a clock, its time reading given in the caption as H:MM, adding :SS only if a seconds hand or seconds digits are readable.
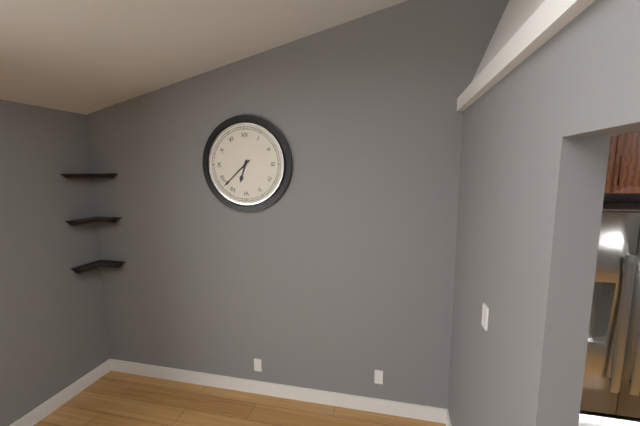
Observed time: 6:38
